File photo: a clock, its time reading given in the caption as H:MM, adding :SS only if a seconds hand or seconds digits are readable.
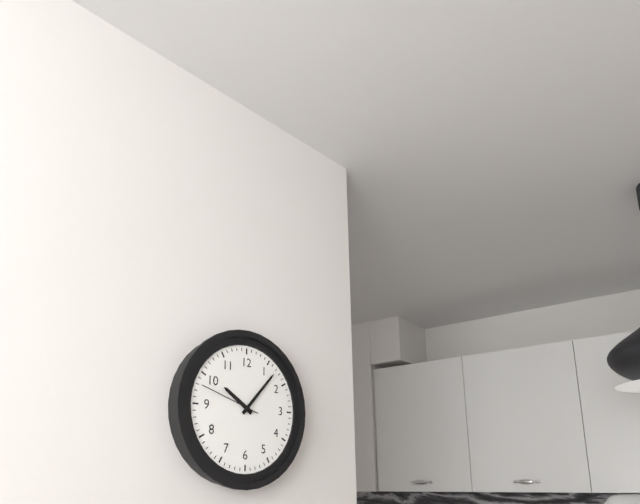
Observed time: 10:07:48
